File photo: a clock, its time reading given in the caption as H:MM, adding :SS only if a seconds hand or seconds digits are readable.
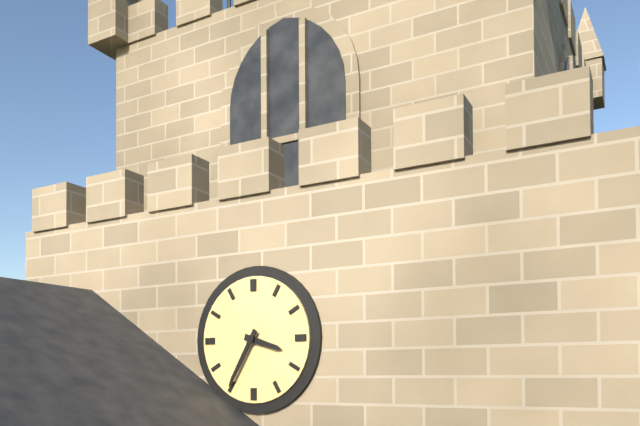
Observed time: 3:35
